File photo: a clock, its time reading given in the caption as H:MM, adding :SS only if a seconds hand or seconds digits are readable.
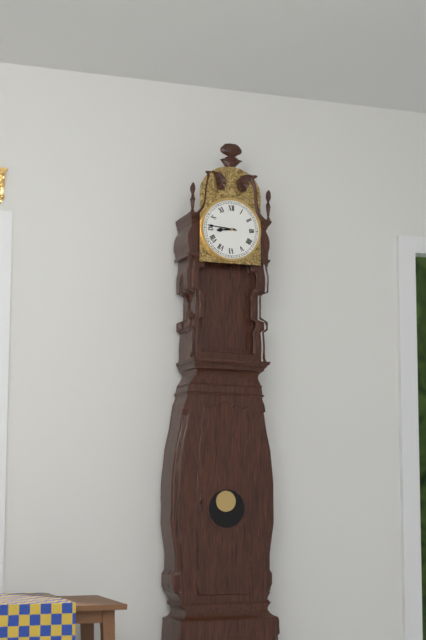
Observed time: 8:46
